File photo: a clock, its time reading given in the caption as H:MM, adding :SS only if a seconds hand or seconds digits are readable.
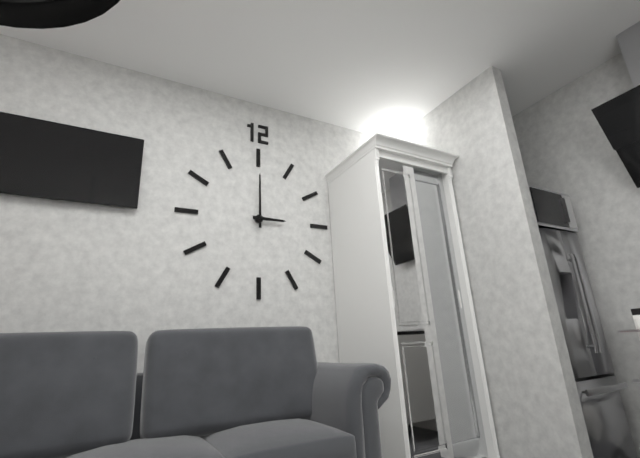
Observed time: 3:00
